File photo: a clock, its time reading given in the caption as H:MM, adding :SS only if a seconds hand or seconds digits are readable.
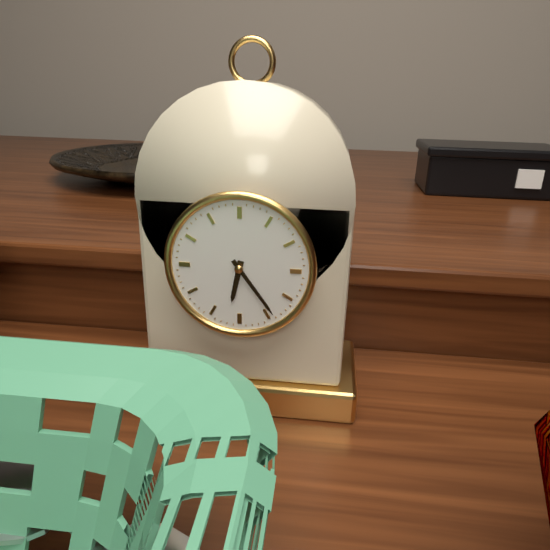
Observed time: 6:24
